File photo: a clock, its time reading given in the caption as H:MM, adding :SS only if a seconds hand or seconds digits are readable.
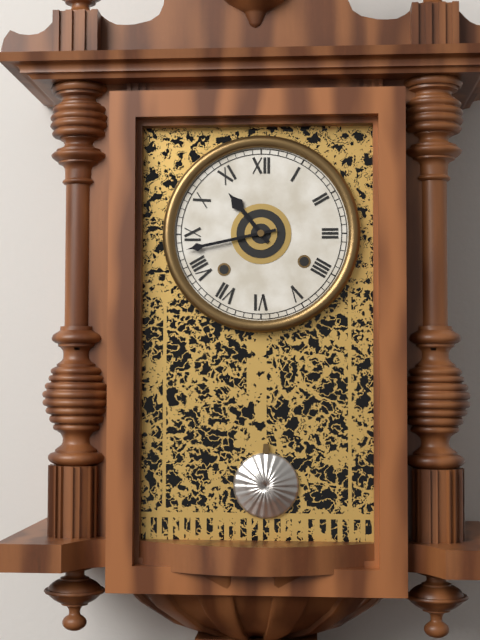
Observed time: 10:43
